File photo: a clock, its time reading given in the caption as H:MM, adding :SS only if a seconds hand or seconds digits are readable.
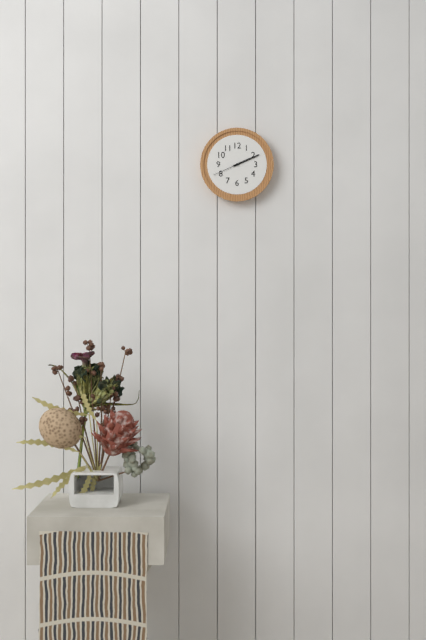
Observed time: 2:11
